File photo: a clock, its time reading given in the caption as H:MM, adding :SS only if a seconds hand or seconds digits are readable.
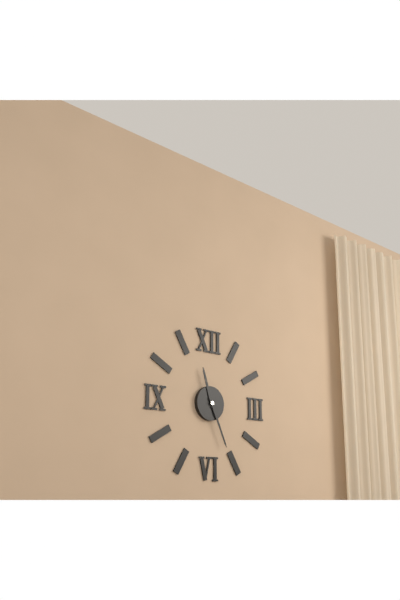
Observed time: 11:26
